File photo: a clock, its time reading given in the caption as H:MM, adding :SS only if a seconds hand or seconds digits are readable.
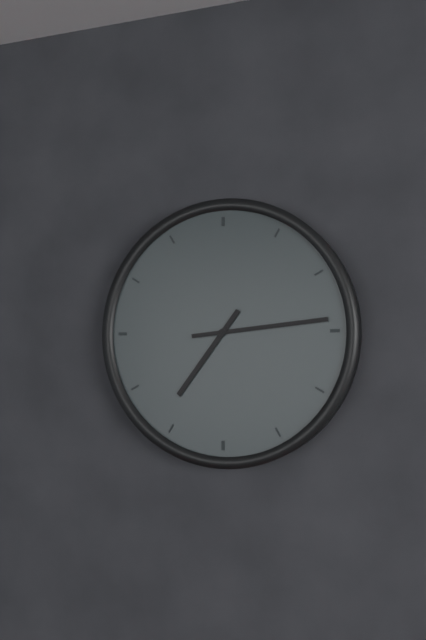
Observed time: 7:14
